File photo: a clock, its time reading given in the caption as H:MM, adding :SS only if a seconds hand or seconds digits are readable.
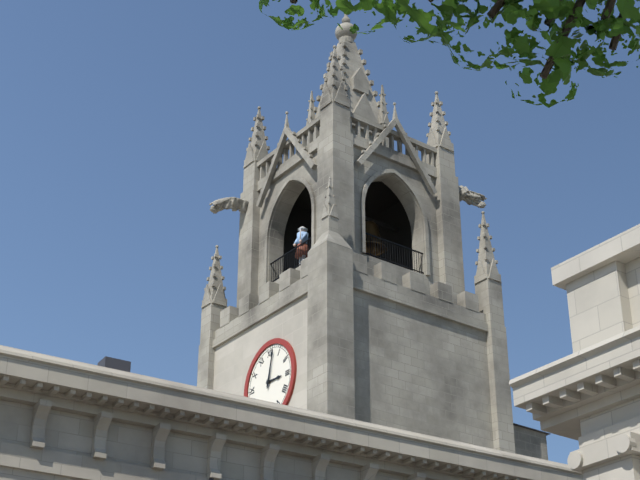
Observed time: 3:02
